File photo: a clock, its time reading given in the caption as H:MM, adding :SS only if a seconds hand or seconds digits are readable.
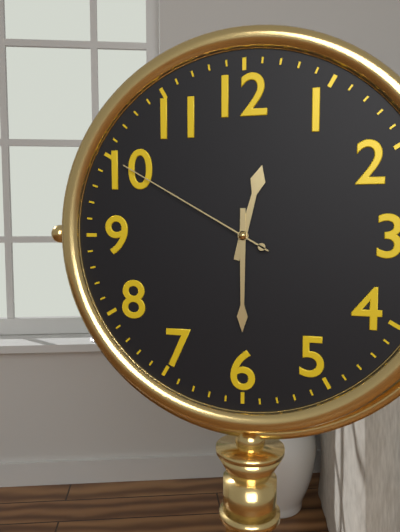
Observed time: 12:30:50
